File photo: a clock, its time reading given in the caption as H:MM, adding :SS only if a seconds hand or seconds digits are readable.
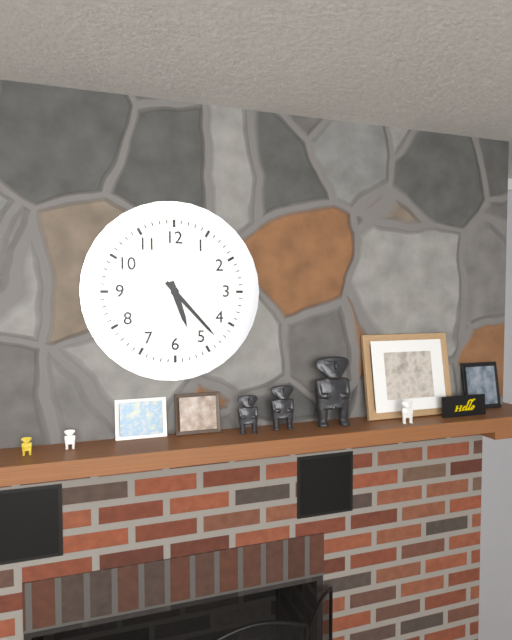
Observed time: 5:23
